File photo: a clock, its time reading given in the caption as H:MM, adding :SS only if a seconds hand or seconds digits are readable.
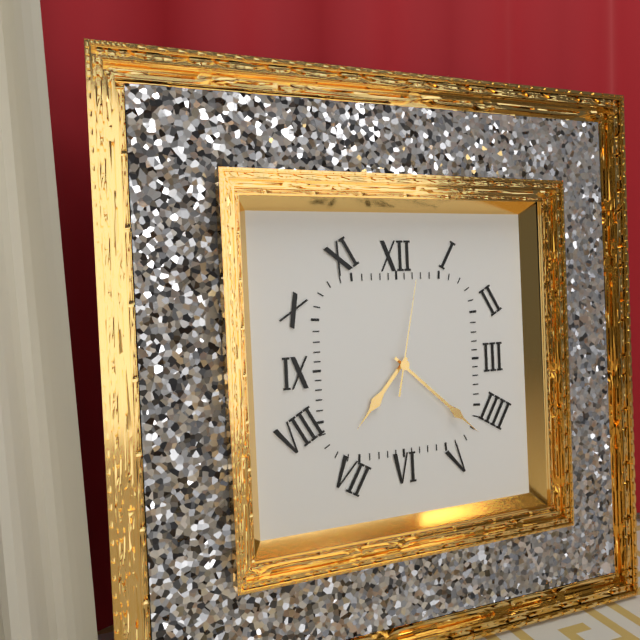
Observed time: 7:22:02
